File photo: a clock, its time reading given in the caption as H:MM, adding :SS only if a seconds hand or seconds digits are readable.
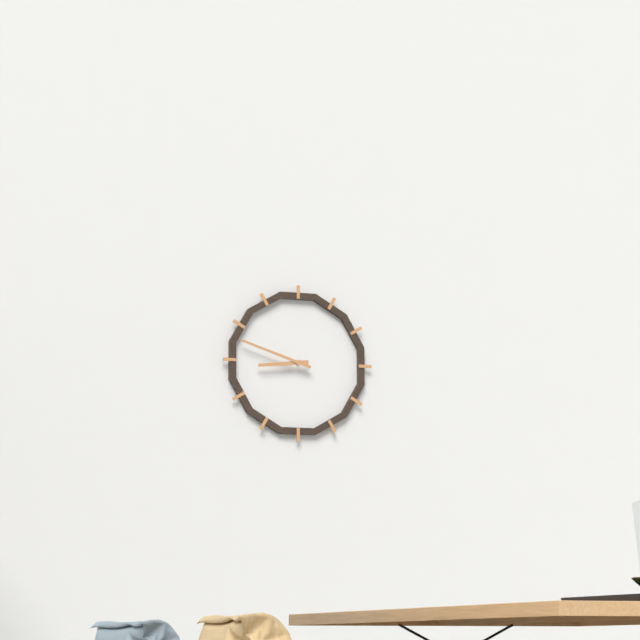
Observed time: 8:48
